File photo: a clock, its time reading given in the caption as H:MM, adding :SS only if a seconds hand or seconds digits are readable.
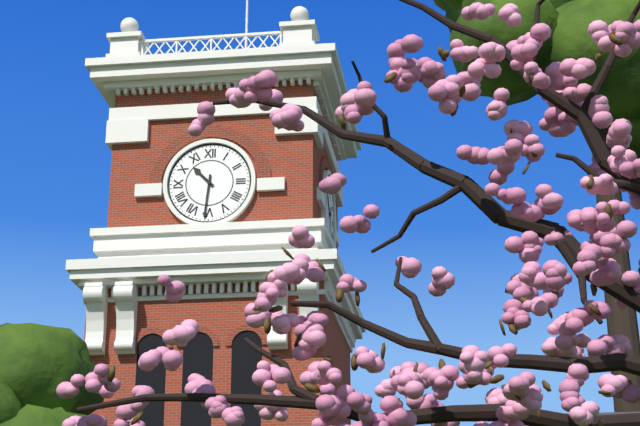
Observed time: 10:31
